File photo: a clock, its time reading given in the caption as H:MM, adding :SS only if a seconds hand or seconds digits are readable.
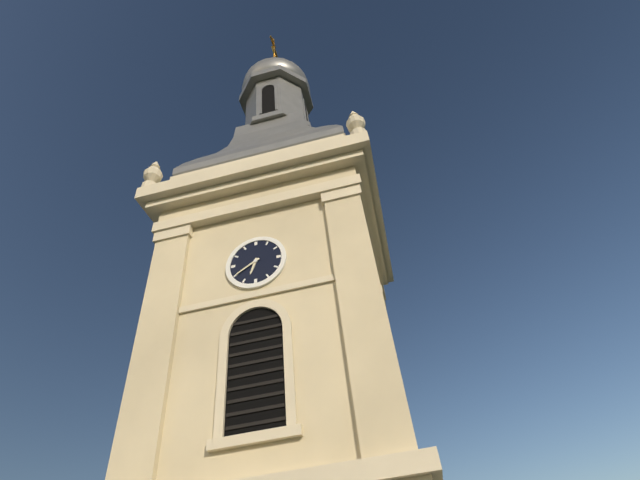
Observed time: 6:40
